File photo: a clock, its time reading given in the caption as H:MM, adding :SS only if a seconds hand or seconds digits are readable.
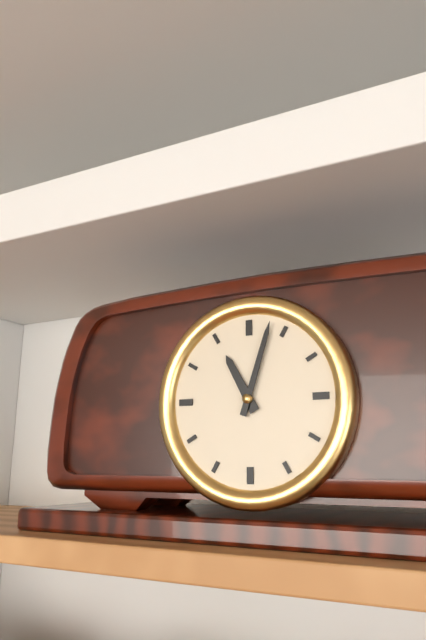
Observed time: 11:03
